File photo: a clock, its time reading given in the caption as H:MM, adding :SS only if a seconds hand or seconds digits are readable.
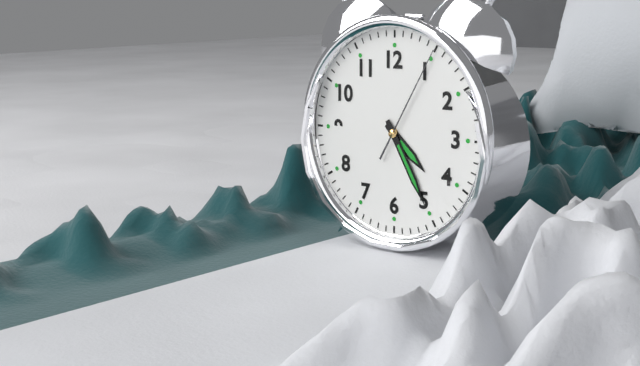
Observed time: 4:25:05
